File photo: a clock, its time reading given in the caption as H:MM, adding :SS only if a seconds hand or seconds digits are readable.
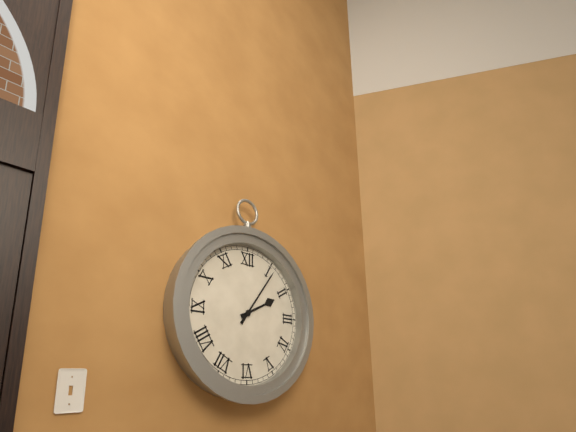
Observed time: 2:06
